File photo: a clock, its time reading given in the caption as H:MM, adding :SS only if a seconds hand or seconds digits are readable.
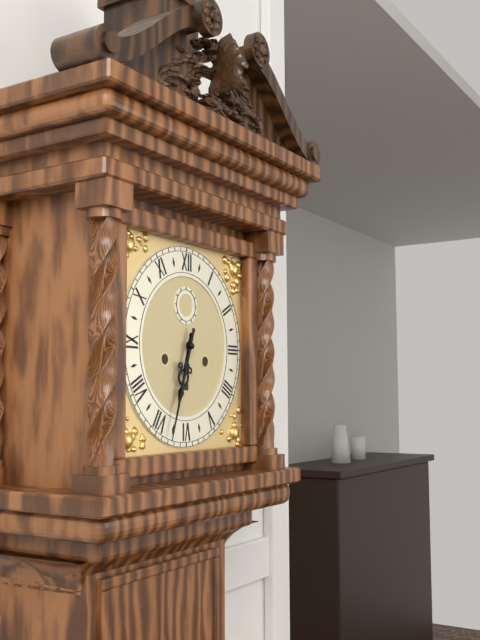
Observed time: 6:33
